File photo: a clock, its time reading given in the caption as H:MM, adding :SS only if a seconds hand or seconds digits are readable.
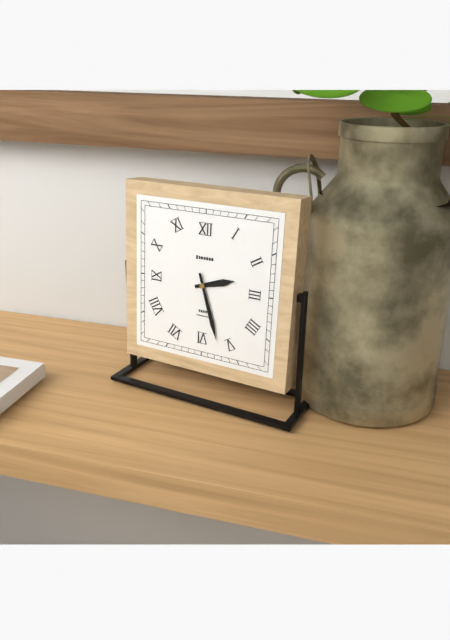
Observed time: 2:27
